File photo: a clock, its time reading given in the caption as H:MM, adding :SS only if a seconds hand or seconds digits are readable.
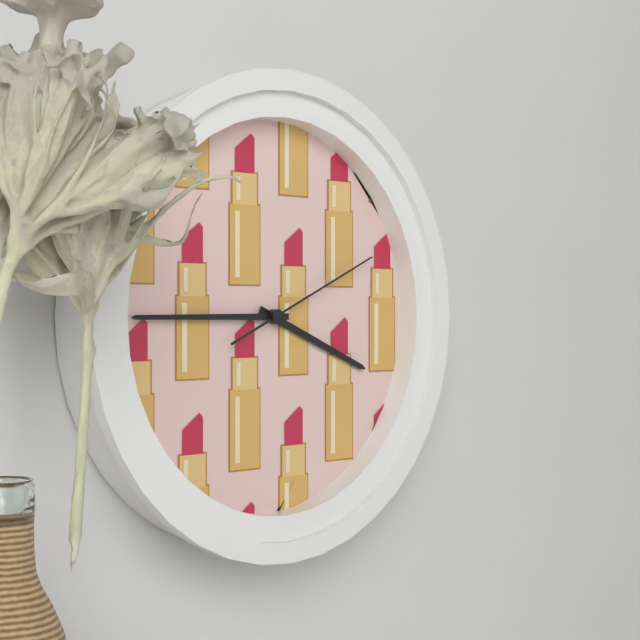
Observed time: 3:45:11
